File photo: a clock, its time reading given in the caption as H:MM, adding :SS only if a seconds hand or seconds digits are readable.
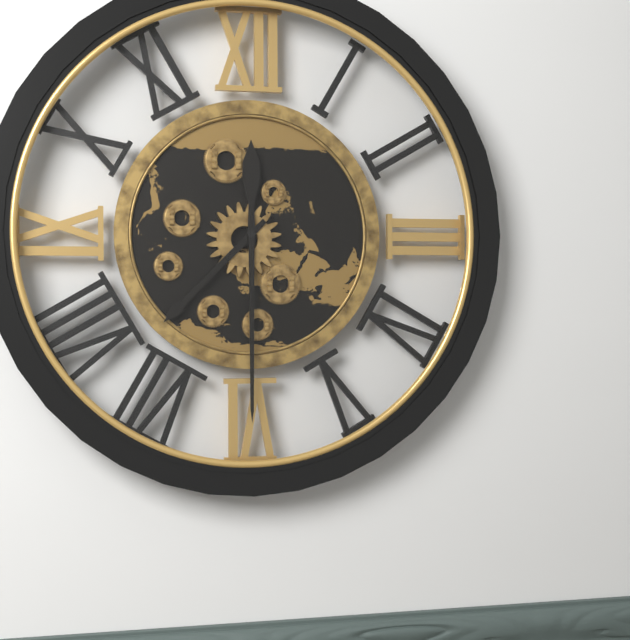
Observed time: 7:30
